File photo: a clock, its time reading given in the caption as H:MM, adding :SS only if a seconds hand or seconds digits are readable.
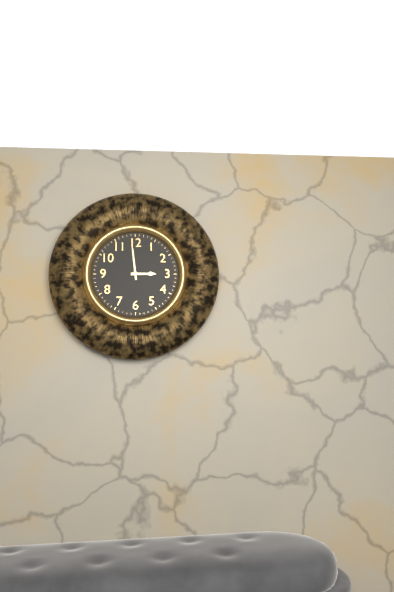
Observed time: 2:59
